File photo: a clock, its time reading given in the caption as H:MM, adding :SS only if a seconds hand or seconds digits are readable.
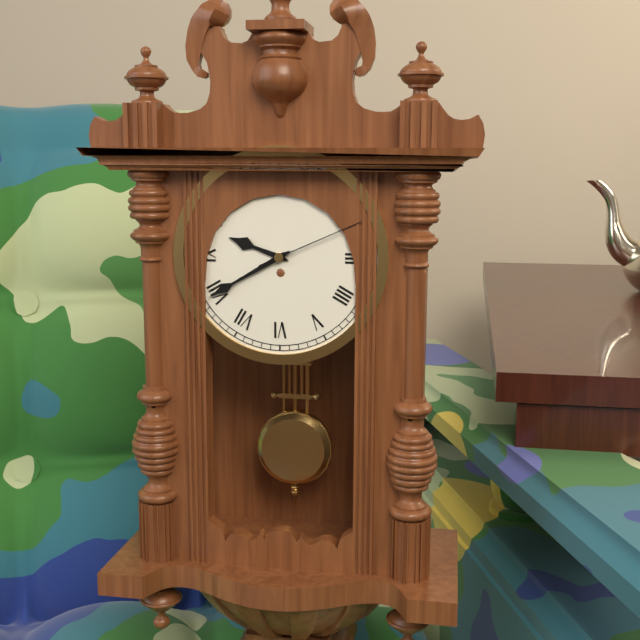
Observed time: 9:40:11
